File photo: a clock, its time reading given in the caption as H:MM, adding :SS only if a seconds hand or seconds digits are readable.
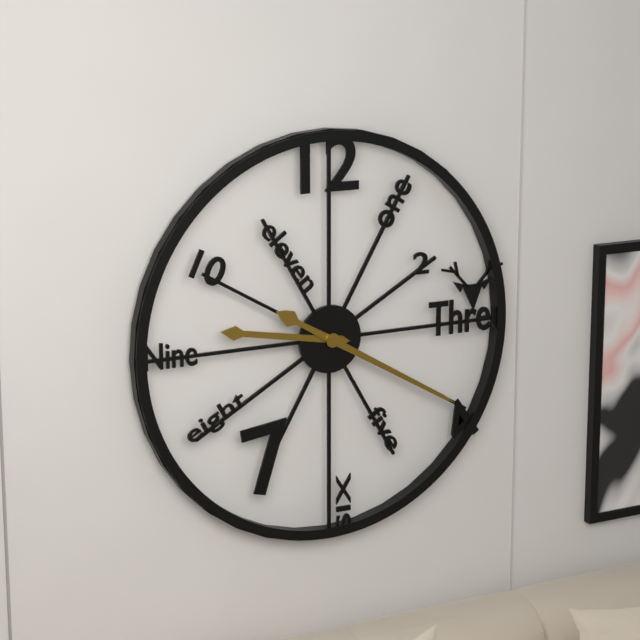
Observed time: 9:20
